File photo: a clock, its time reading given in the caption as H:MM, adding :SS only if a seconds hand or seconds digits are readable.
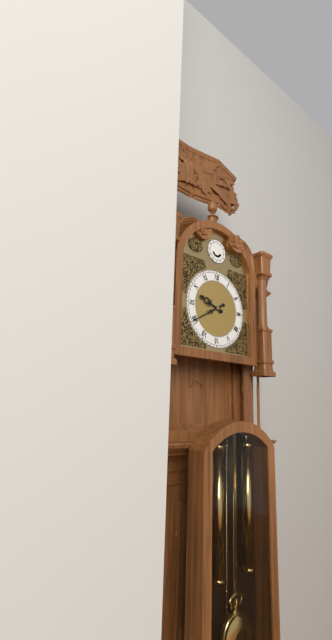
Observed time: 9:40
